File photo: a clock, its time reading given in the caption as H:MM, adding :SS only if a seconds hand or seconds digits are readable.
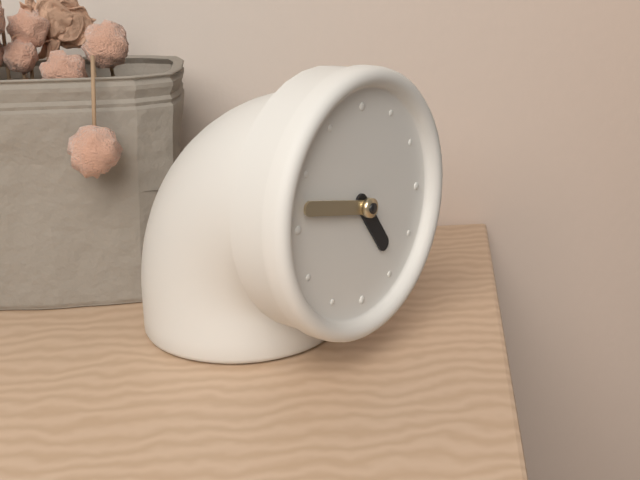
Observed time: 4:47
